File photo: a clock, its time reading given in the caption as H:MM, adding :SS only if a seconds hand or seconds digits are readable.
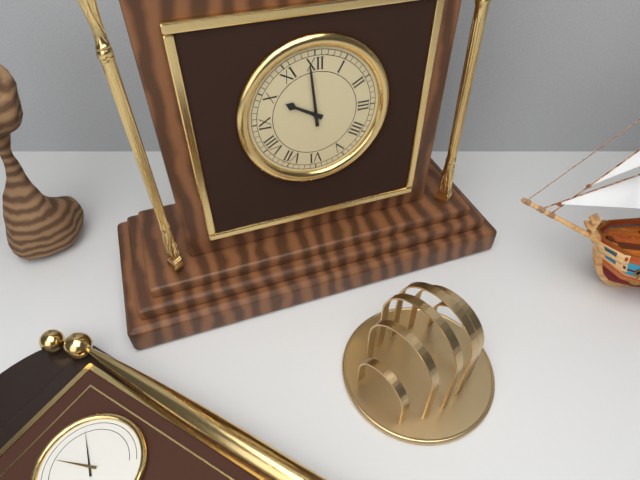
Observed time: 9:59
